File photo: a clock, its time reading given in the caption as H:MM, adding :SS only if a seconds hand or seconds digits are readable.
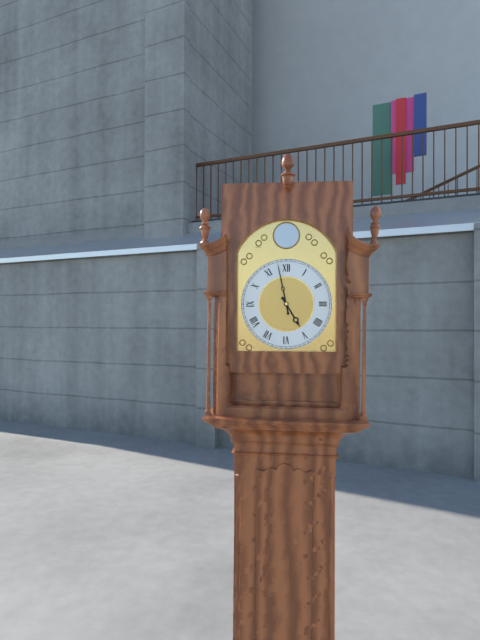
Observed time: 4:58
